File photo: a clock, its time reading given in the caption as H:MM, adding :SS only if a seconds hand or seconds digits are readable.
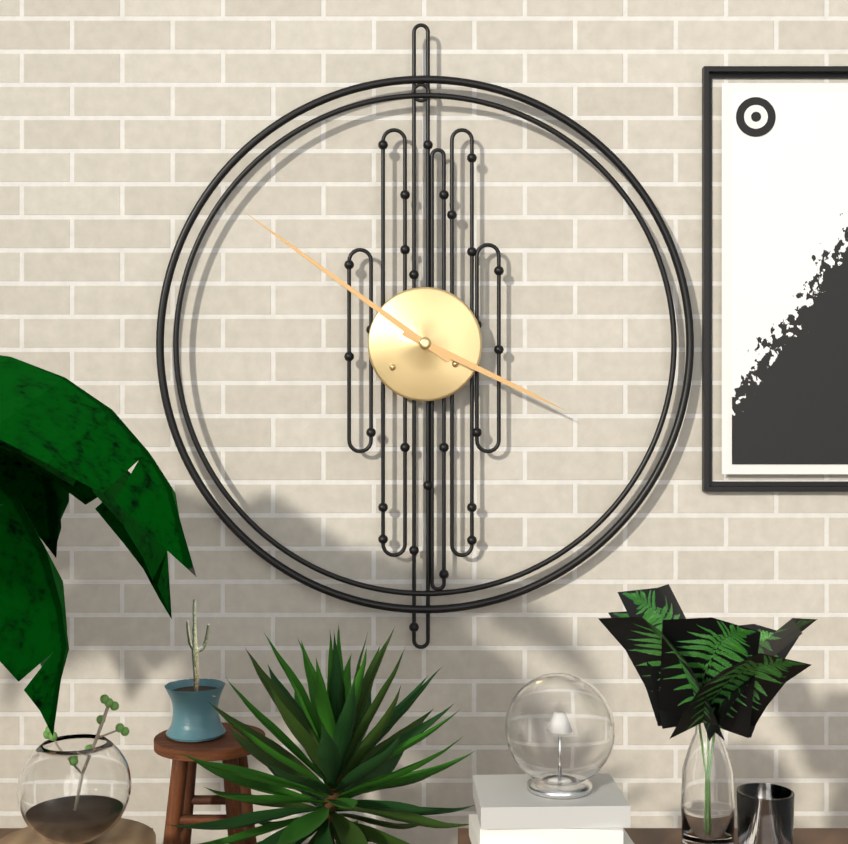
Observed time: 3:51
